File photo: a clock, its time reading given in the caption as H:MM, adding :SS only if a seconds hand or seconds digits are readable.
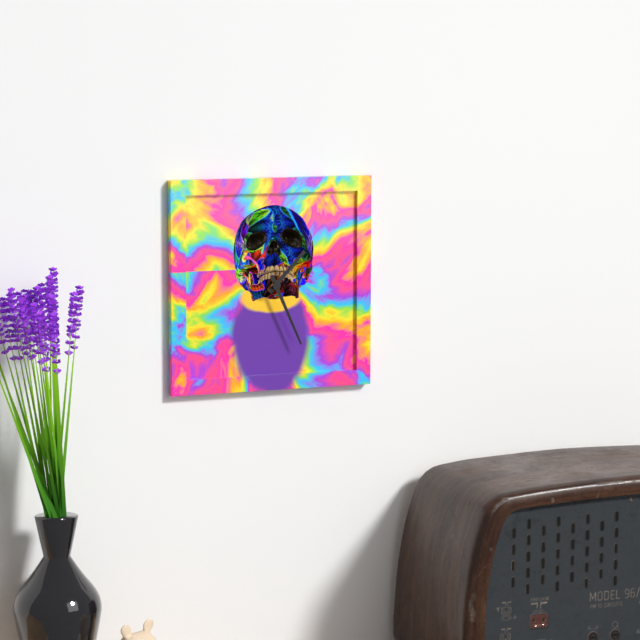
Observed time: 1:26
